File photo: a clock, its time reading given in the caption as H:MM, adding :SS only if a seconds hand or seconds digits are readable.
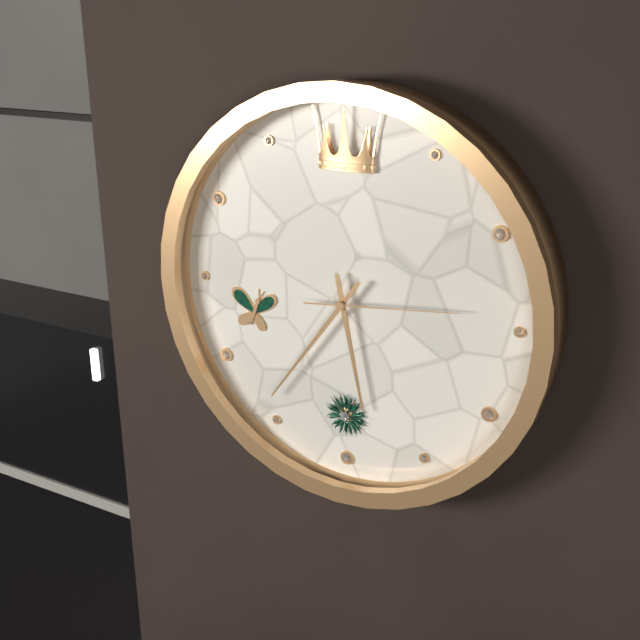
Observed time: 5:36:14
